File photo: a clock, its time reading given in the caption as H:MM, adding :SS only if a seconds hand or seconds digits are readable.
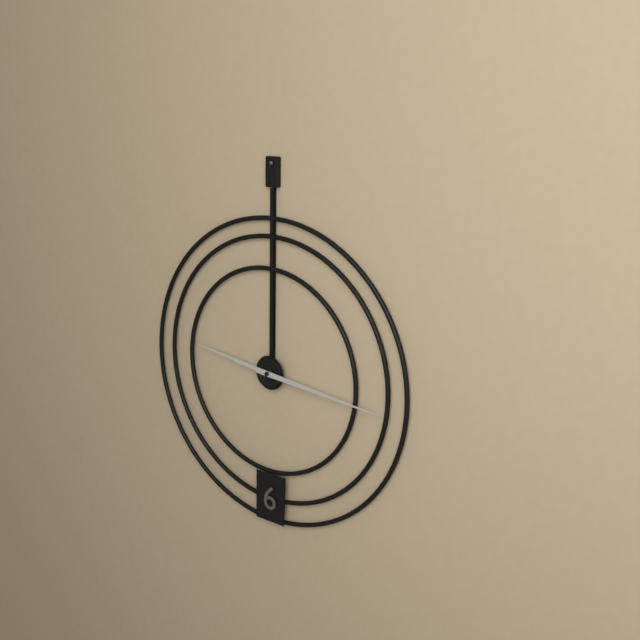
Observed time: 9:16
